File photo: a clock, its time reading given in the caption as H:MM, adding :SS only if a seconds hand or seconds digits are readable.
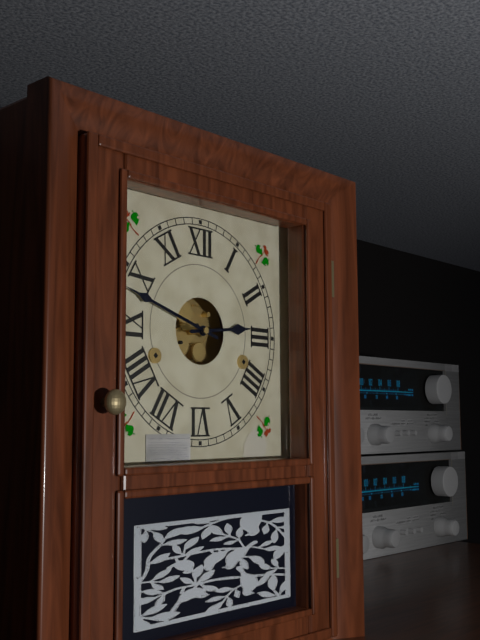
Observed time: 2:48
